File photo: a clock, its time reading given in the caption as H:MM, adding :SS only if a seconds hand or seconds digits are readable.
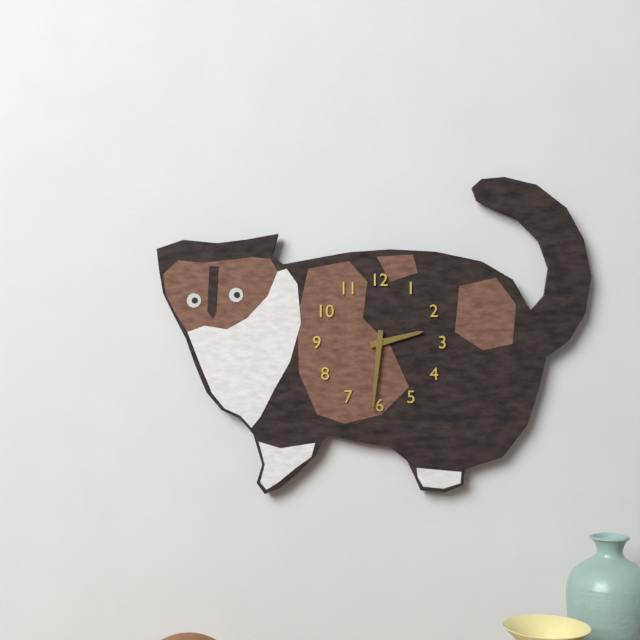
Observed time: 2:31
